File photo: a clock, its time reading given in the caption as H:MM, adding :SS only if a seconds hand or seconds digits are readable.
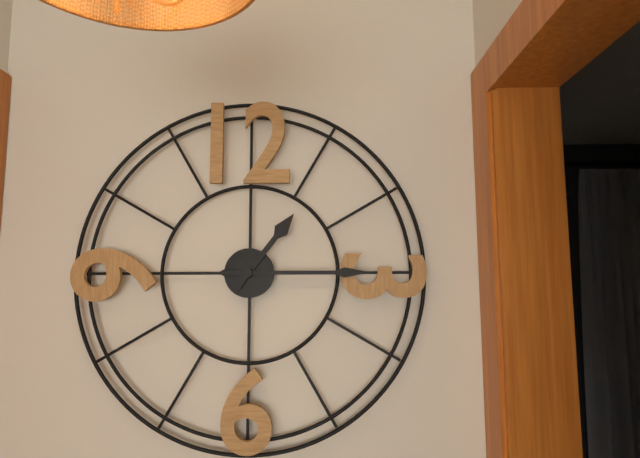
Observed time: 1:15
